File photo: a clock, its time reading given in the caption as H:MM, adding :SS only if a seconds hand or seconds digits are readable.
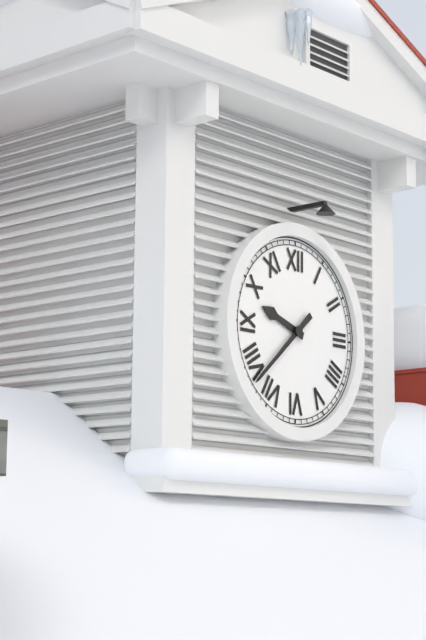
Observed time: 9:38
